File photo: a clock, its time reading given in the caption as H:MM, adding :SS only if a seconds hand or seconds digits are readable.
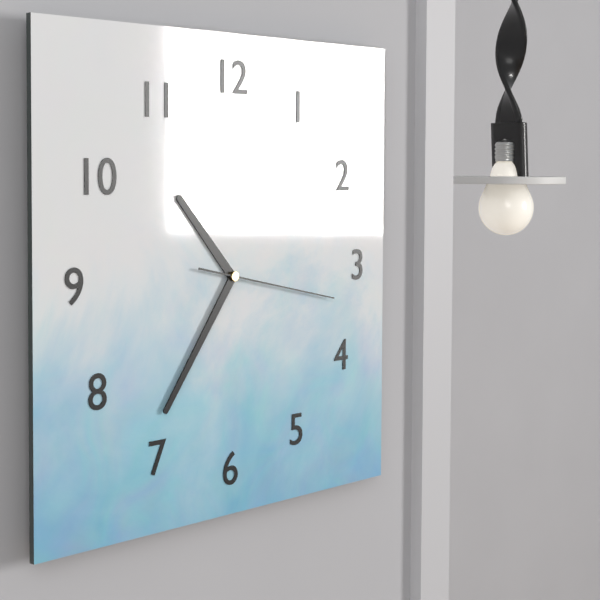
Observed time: 10:36:17
